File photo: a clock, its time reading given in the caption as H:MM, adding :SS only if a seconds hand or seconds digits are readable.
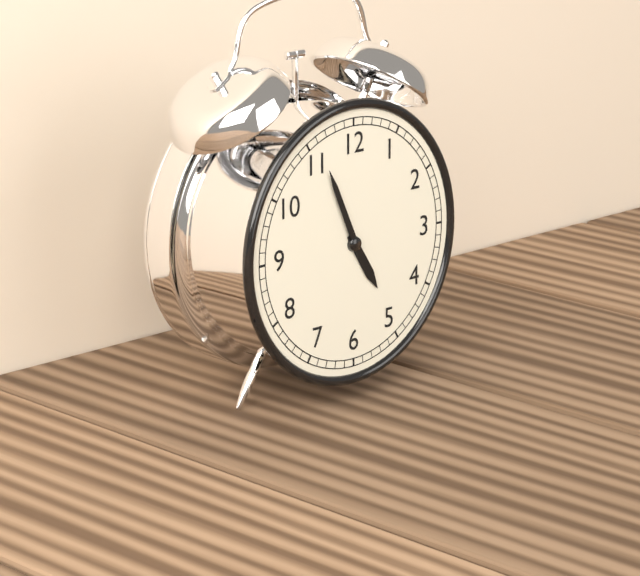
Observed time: 4:56
